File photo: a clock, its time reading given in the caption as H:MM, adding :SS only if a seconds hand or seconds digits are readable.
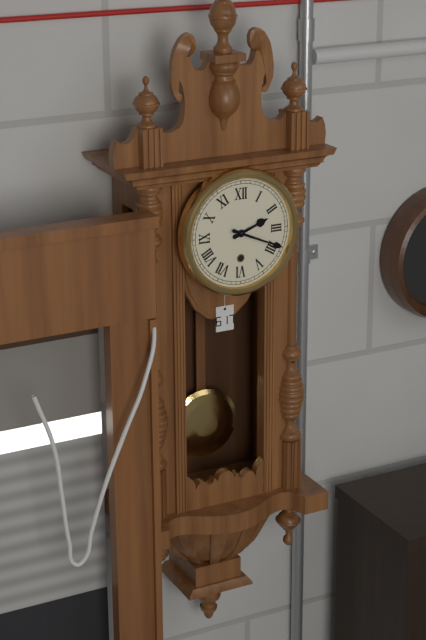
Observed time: 2:19
